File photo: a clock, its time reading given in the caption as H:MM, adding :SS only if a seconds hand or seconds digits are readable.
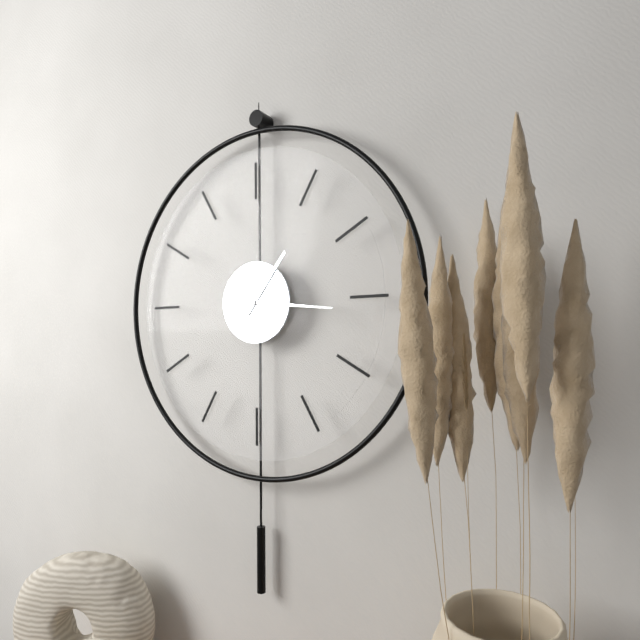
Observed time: 1:16
